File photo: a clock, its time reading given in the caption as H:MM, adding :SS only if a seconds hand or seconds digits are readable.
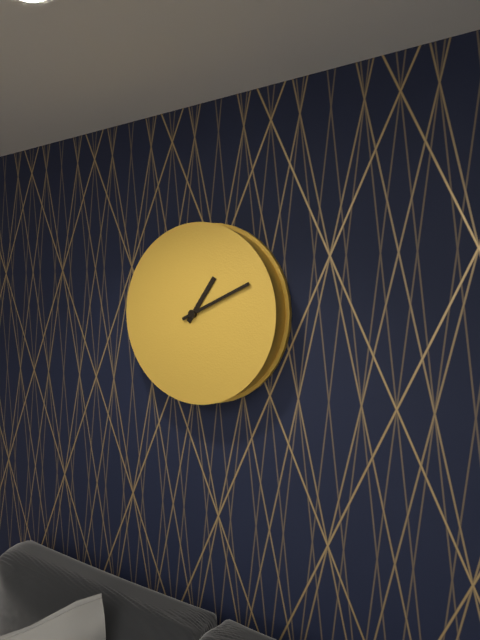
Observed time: 1:11
